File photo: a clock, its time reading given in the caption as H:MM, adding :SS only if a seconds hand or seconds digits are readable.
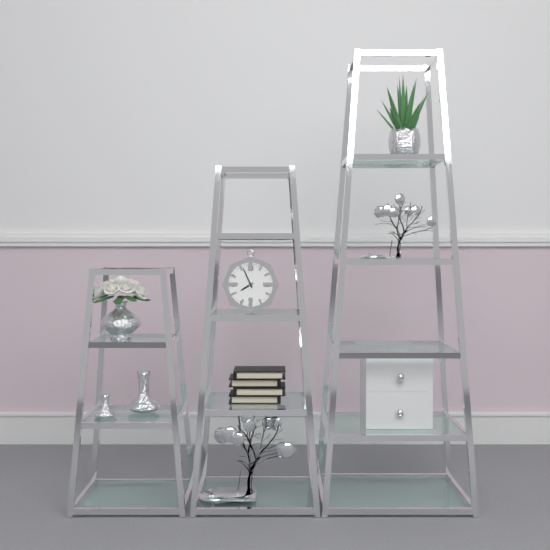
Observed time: 7:56
